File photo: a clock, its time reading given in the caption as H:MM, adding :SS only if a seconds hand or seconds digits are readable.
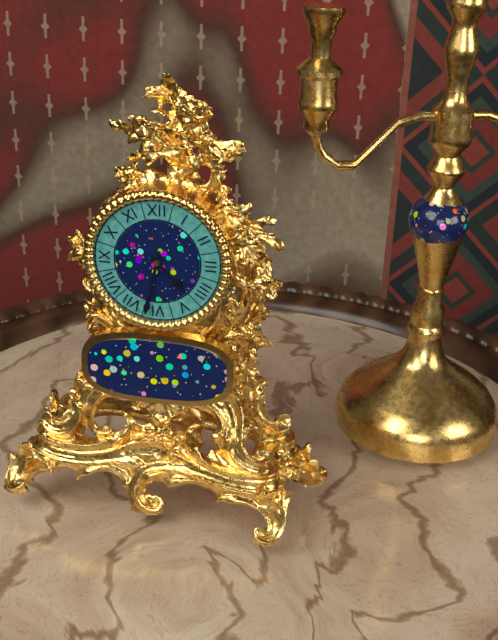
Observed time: 4:32
